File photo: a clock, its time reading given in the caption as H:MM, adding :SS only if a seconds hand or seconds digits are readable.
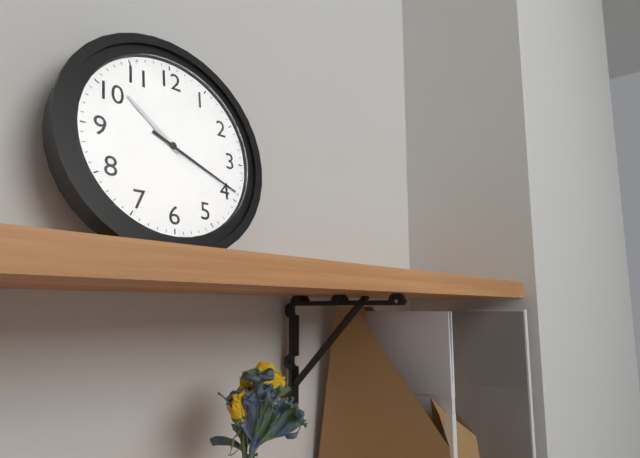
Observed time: 10:19
